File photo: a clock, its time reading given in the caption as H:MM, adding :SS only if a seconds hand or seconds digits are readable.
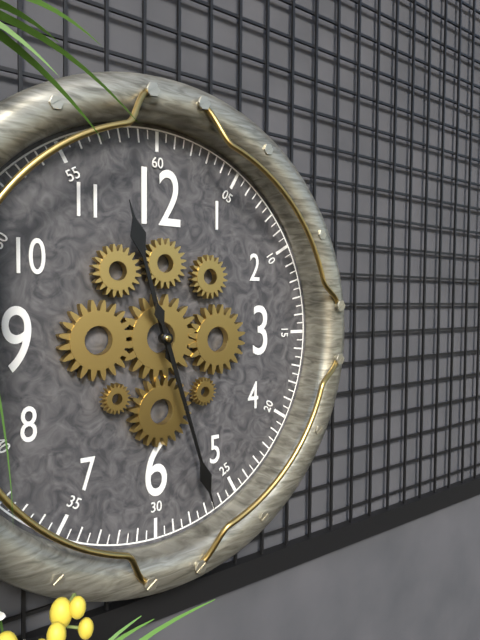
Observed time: 11:27
